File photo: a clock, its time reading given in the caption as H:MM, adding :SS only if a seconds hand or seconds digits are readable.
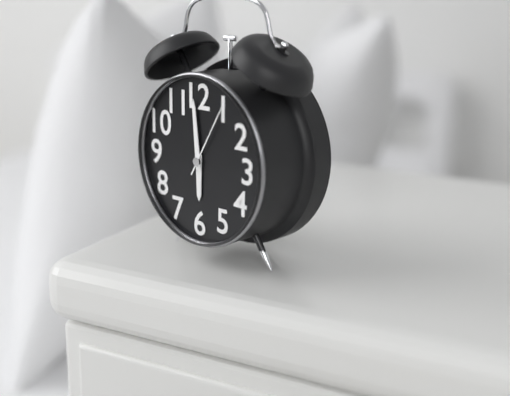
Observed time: 5:59:05
